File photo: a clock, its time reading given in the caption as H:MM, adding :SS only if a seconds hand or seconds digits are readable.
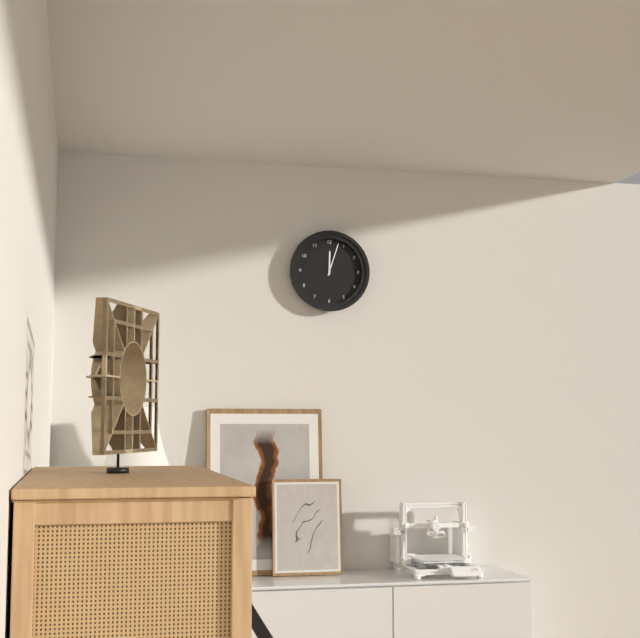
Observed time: 12:03
